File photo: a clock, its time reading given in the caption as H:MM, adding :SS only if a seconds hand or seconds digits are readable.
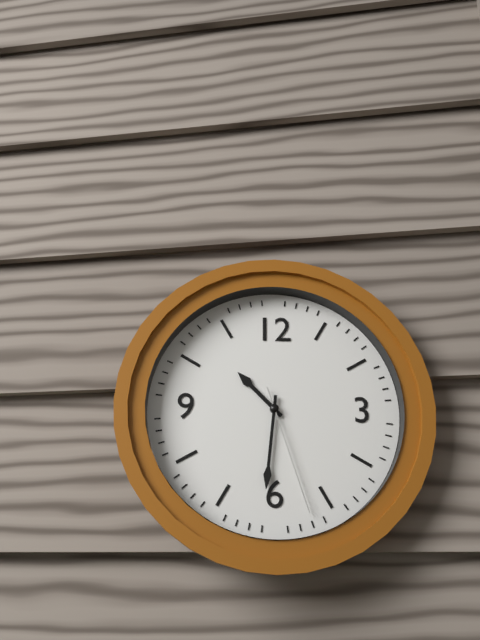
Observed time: 10:31:27
